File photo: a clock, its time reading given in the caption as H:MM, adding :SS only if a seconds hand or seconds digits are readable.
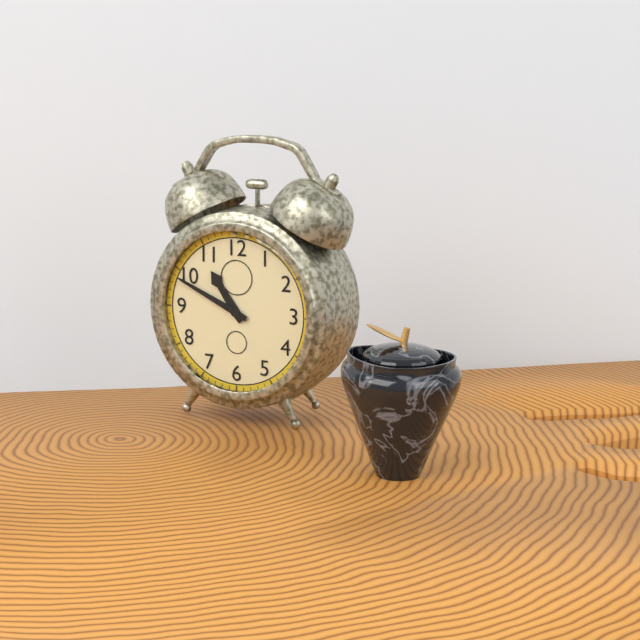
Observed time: 10:49
